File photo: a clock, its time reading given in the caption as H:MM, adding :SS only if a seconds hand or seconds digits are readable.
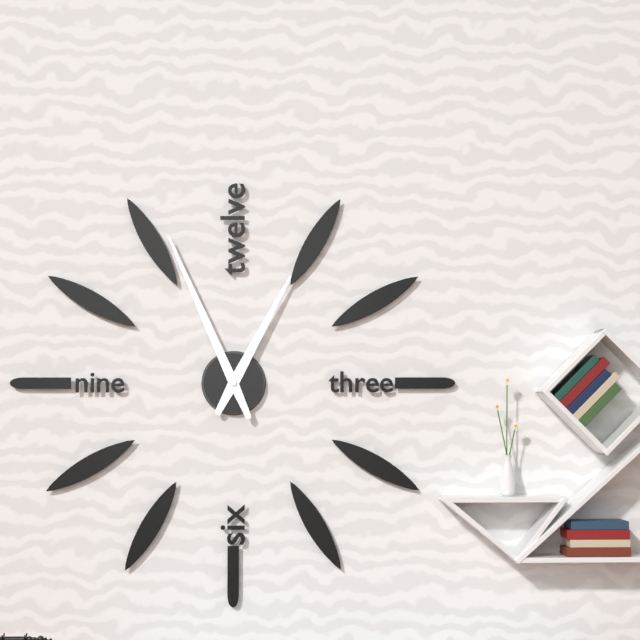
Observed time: 12:56
